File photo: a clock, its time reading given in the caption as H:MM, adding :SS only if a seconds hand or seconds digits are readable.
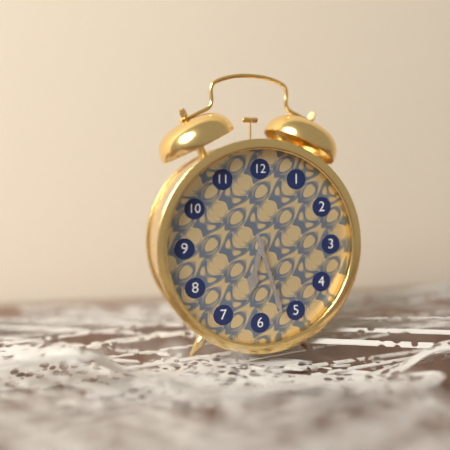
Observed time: 6:27
